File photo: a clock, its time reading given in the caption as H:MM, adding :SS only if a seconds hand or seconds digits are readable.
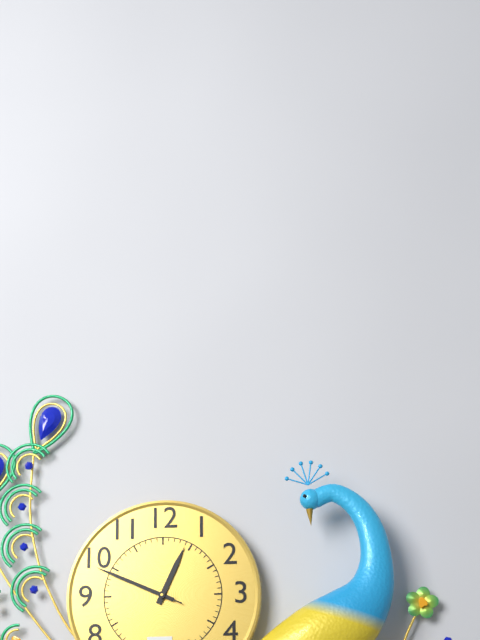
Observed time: 12:49:49
